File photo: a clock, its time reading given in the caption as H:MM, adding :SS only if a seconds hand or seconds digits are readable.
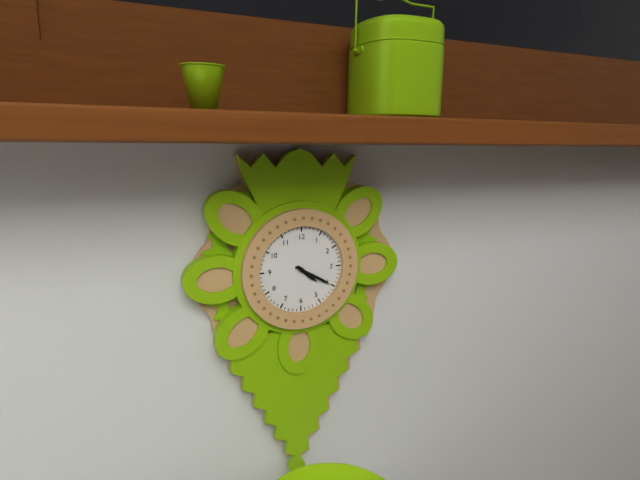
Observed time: 4:20
